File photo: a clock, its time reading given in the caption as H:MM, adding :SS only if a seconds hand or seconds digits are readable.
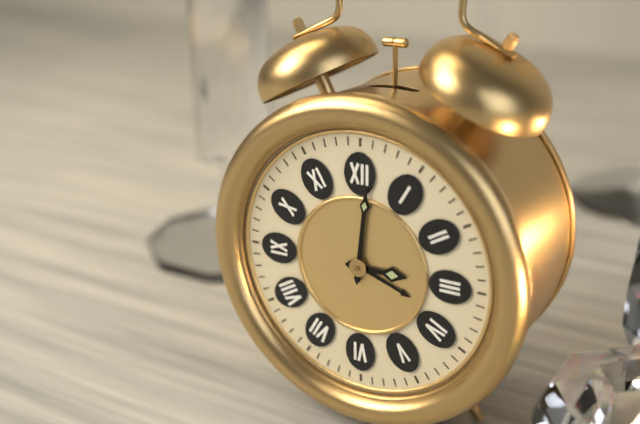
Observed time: 3:01
